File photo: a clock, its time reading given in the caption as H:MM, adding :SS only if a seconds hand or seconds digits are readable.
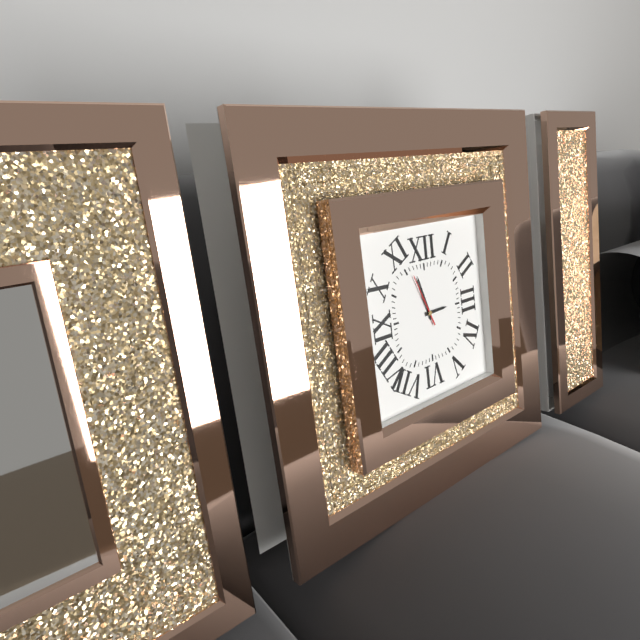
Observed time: 2:57:56
